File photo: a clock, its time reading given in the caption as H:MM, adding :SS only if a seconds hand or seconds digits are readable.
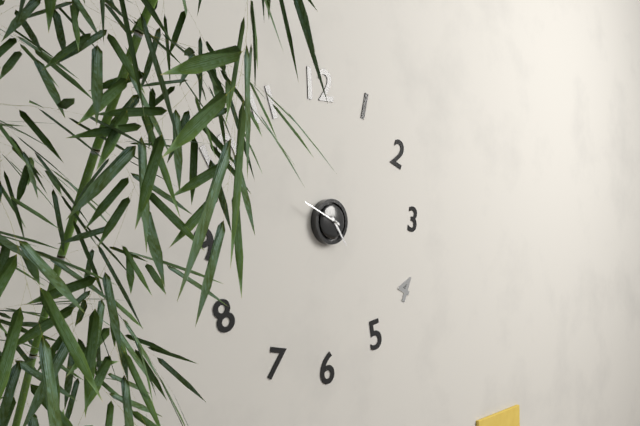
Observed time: 4:49
